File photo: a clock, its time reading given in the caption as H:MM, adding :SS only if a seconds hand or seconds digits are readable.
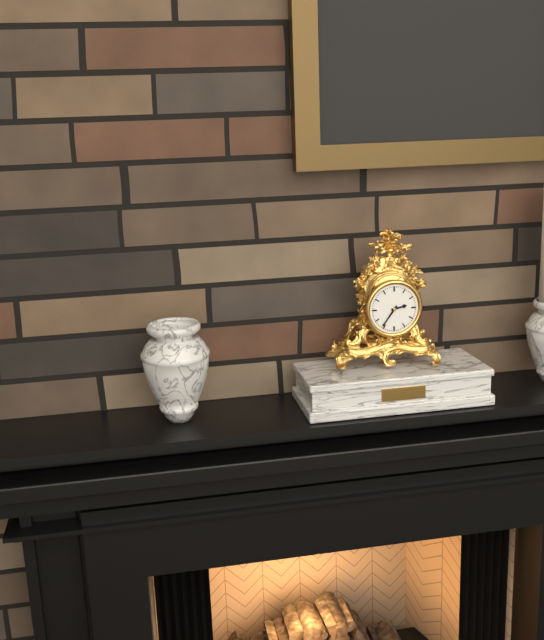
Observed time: 2:36
